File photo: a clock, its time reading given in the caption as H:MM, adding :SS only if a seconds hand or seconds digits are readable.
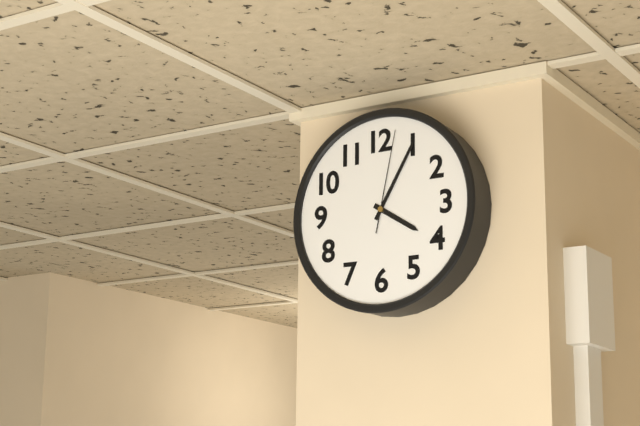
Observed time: 4:05:02
